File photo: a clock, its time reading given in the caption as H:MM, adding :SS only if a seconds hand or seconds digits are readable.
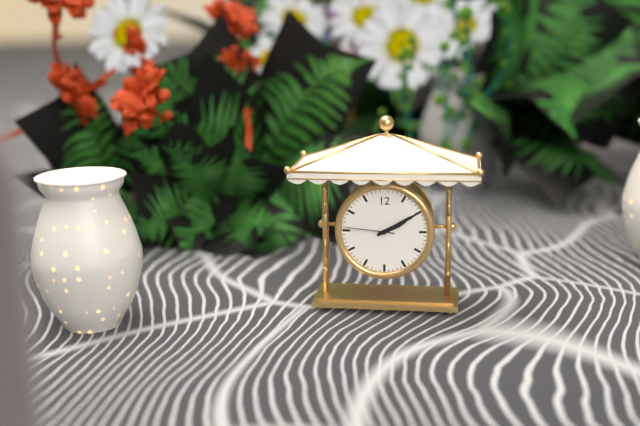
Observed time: 2:10
